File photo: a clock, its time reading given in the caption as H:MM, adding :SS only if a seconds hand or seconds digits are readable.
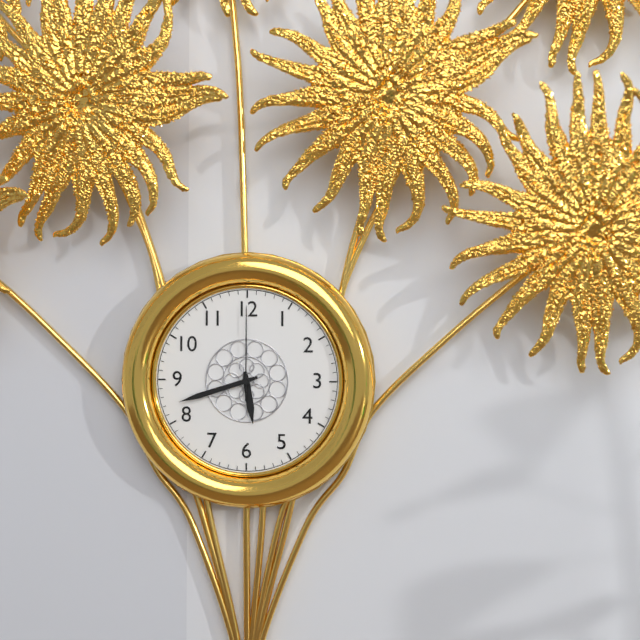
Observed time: 5:42:00
